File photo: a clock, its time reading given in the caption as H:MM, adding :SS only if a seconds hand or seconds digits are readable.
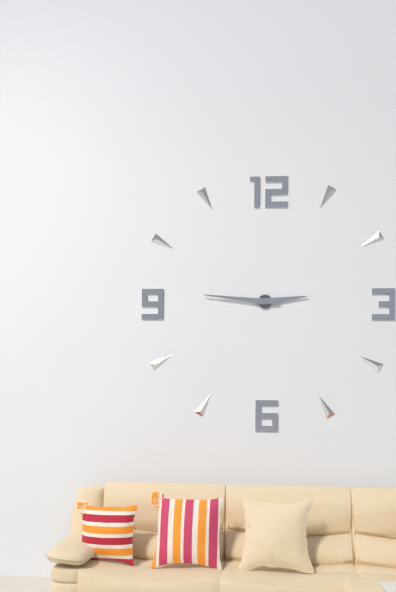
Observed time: 2:46
